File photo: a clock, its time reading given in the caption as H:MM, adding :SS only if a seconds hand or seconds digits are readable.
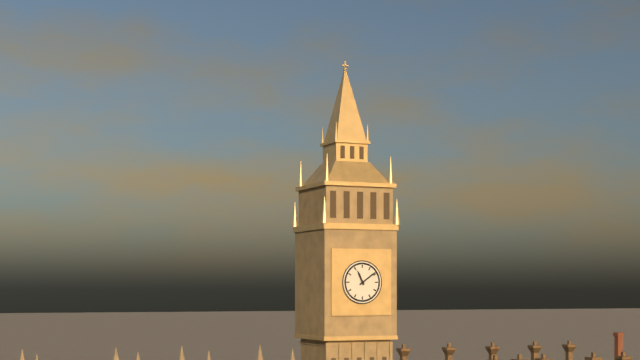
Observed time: 11:09
